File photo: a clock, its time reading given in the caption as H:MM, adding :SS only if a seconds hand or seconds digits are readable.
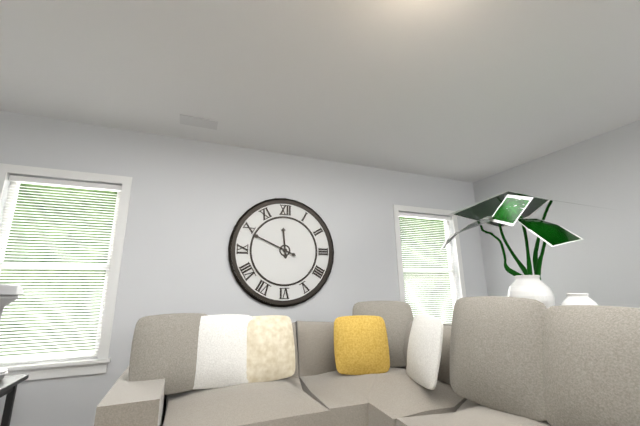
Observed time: 11:49
